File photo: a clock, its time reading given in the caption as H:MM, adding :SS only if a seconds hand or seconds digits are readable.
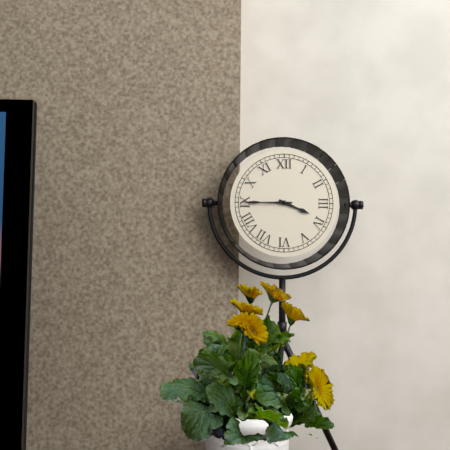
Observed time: 3:45
